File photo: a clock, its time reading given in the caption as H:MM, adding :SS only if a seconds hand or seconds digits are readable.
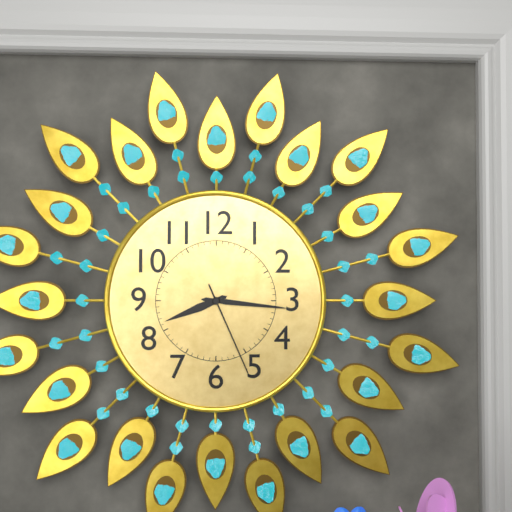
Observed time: 8:16:26
